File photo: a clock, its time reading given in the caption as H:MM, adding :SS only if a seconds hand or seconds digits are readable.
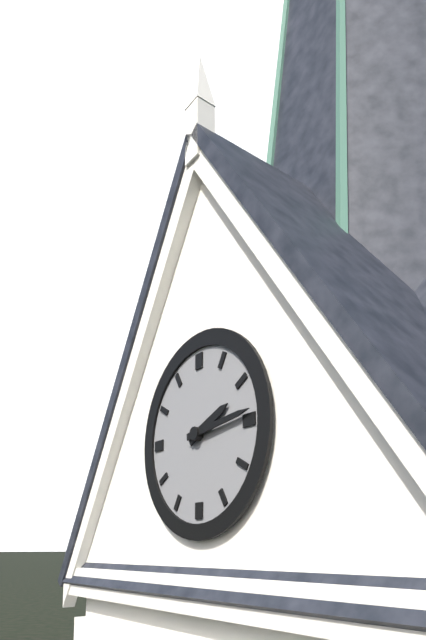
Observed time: 2:14
